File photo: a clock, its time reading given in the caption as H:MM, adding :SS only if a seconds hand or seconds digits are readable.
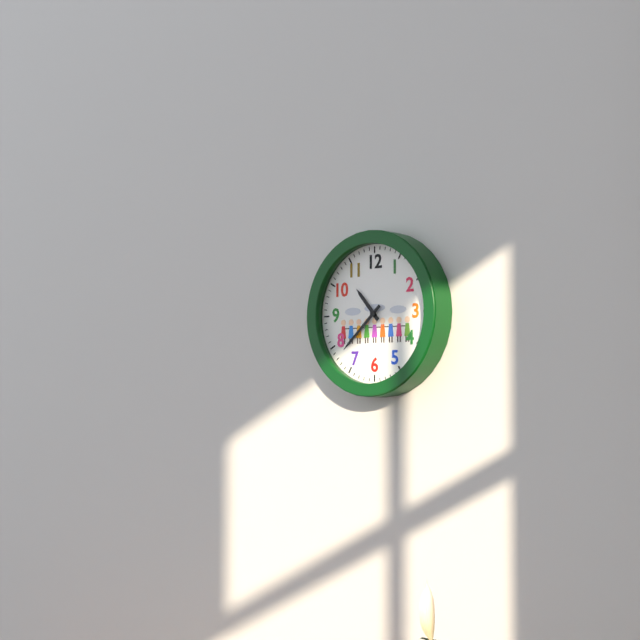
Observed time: 10:38
